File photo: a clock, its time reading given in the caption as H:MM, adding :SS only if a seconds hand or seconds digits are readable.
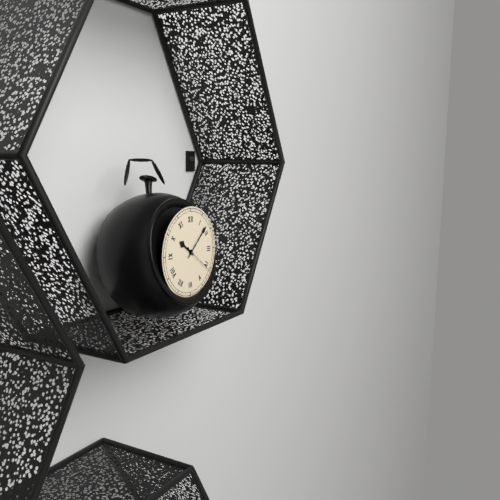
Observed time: 10:08
